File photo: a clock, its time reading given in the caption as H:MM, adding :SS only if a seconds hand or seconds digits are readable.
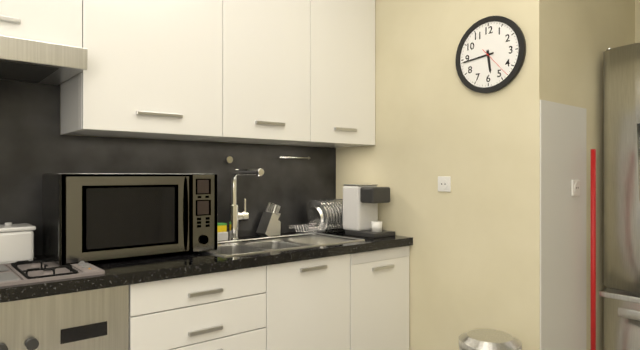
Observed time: 5:44
